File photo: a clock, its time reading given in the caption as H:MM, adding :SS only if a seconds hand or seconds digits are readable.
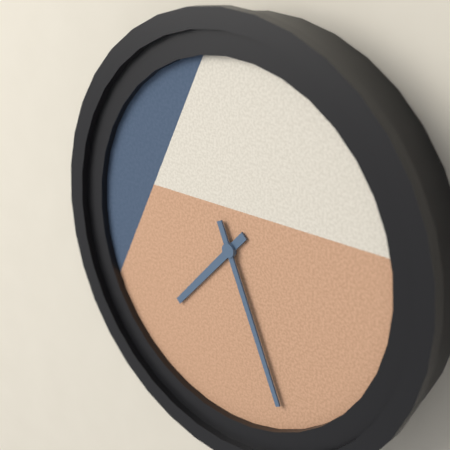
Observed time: 7:26
